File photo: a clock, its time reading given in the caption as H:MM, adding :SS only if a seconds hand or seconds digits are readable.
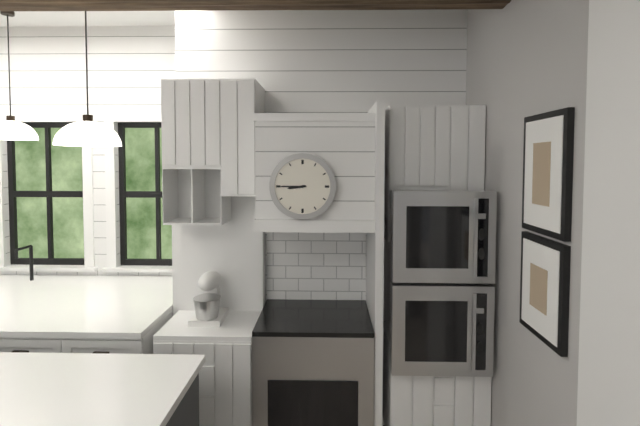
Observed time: 8:45
